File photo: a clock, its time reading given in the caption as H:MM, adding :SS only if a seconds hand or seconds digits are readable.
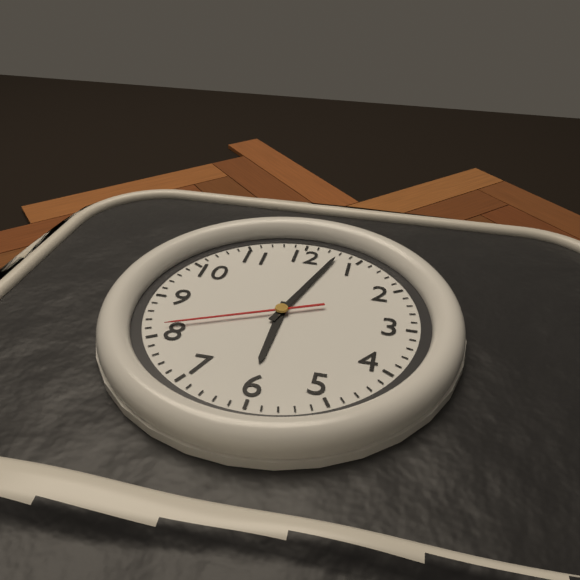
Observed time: 6:03:41
